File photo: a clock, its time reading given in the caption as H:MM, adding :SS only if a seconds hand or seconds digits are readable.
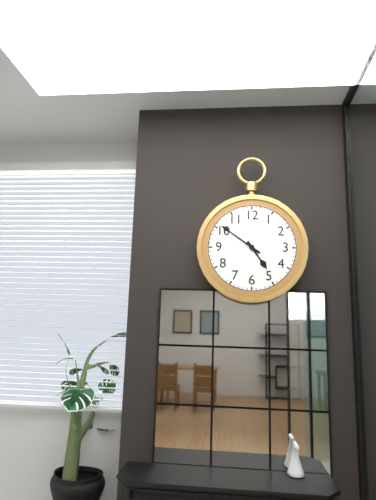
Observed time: 4:51
